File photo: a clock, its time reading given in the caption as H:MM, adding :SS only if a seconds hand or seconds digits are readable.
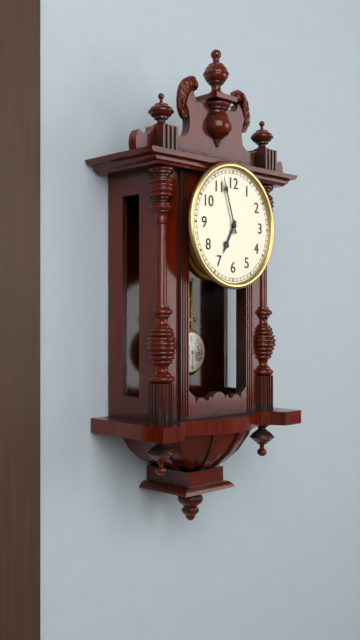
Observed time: 6:57
